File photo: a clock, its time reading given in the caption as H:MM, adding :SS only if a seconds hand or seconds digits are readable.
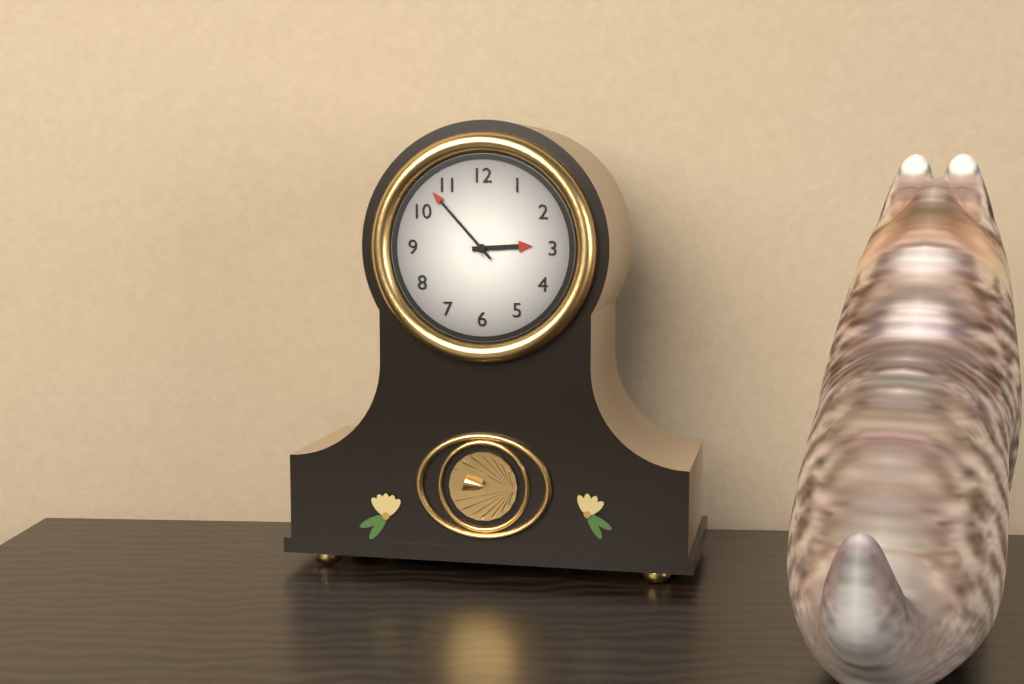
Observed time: 2:53
